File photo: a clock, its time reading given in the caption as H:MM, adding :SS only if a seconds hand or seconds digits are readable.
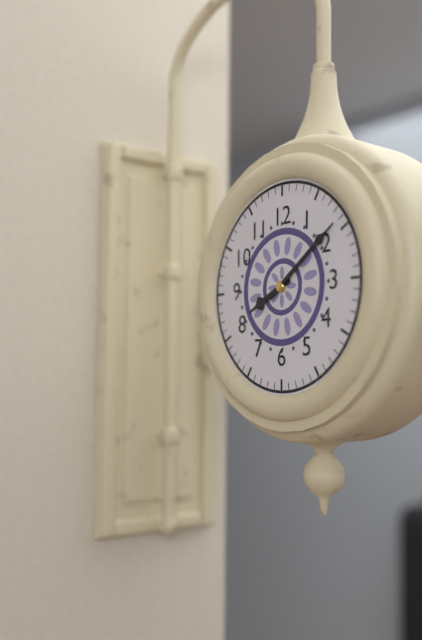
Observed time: 8:09
